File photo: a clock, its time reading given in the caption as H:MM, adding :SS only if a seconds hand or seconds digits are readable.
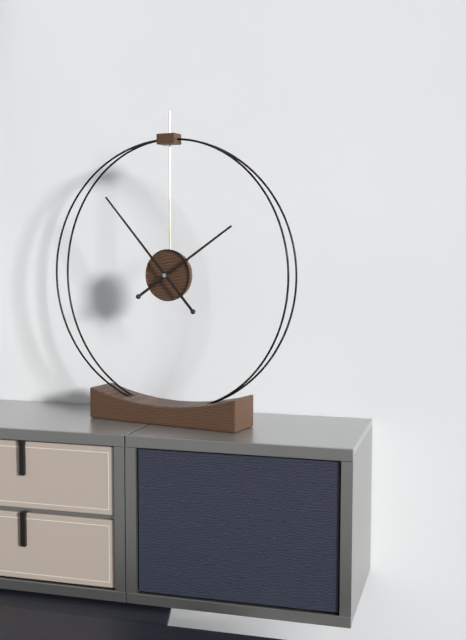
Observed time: 1:53
